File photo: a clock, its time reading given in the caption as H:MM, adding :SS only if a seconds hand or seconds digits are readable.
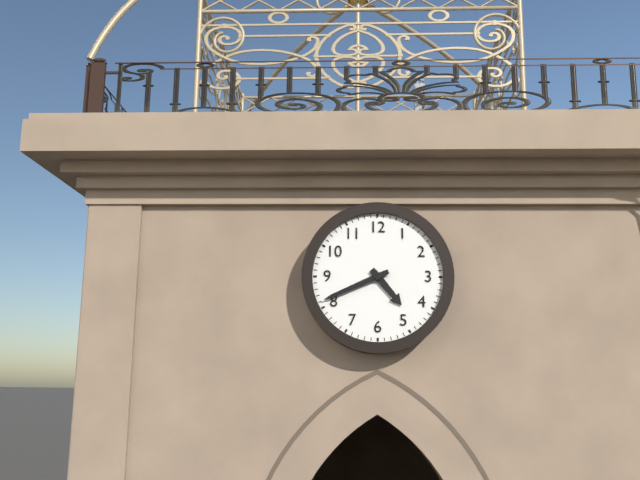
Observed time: 4:41
